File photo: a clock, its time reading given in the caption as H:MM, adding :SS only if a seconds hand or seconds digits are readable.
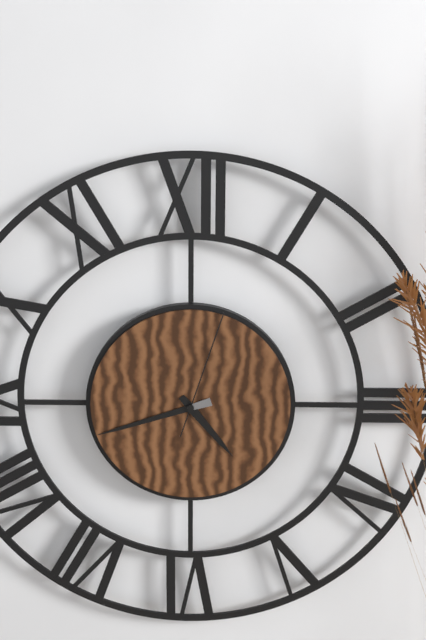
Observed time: 4:42:03
